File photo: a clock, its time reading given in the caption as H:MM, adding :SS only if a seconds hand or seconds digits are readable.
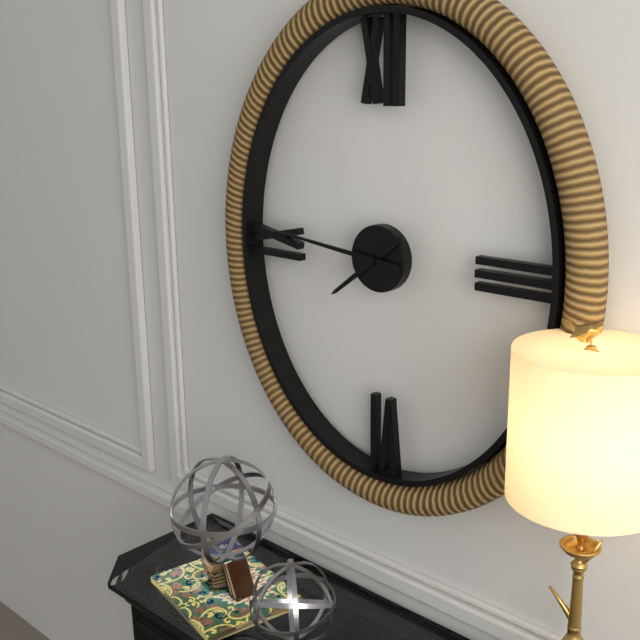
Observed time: 7:46
